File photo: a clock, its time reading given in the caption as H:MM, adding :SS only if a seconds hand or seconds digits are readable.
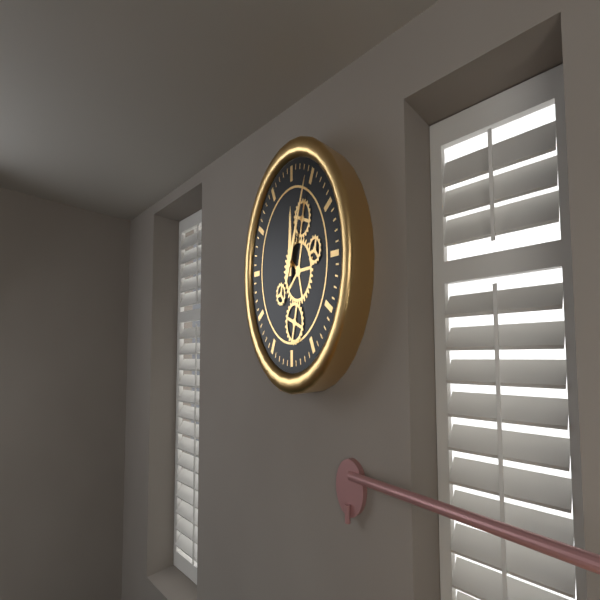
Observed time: 12:04
